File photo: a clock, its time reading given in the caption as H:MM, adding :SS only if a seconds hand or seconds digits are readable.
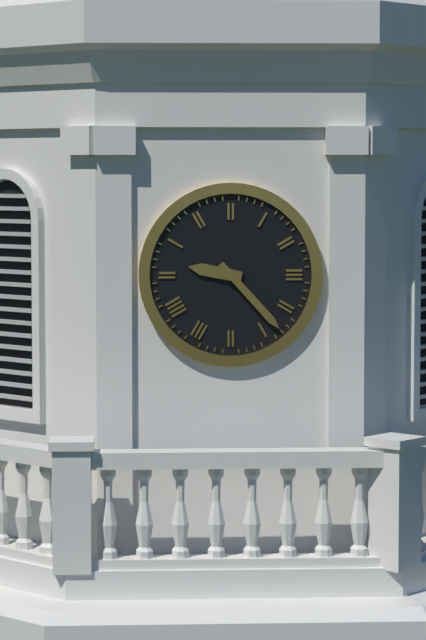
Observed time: 9:23
